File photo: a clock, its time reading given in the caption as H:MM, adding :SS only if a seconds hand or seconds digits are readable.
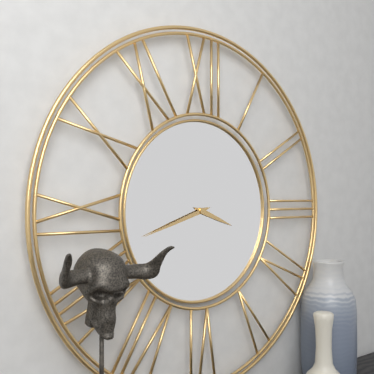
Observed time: 3:42
